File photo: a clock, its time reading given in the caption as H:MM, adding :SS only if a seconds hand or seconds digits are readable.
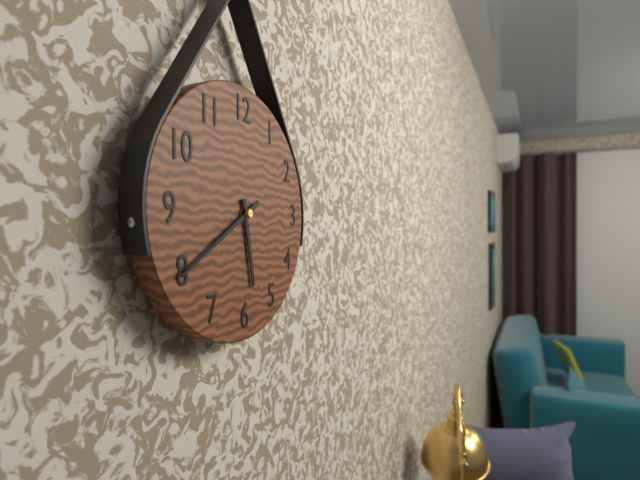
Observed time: 5:40
